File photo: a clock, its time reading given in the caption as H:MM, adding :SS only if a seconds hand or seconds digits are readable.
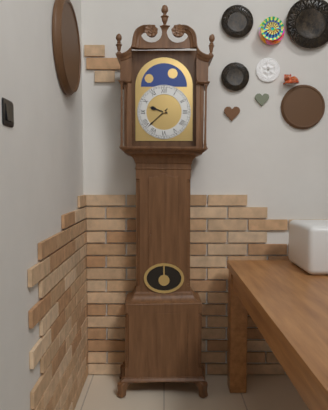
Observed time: 9:38
